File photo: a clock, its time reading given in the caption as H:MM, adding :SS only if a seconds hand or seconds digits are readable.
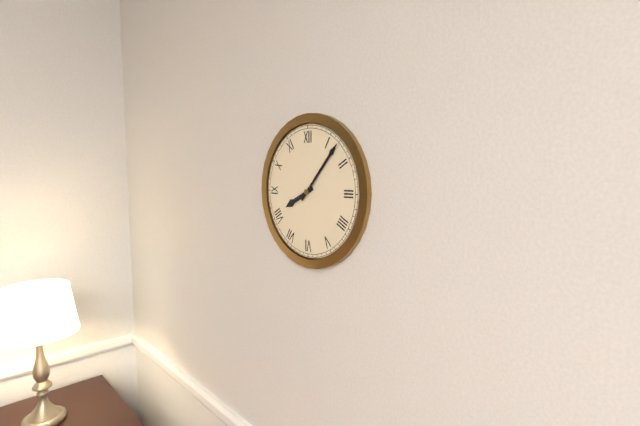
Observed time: 8:07
